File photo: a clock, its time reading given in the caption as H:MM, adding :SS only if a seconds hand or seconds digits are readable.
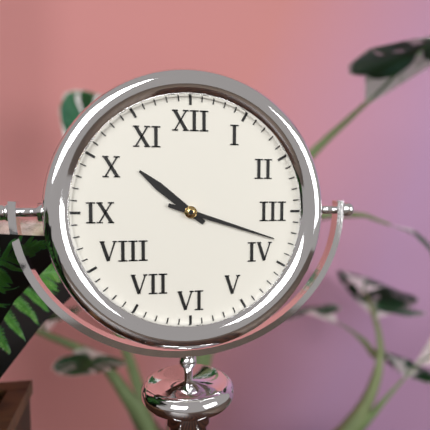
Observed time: 10:18
